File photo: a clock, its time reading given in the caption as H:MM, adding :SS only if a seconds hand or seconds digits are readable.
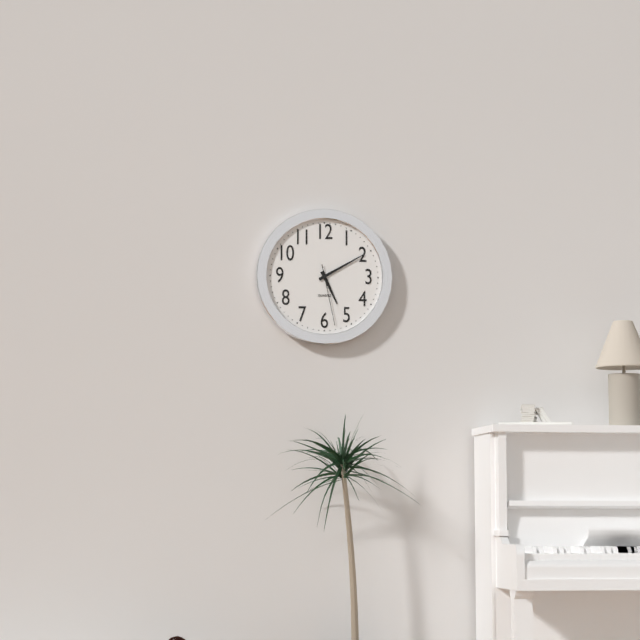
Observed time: 5:10:28
